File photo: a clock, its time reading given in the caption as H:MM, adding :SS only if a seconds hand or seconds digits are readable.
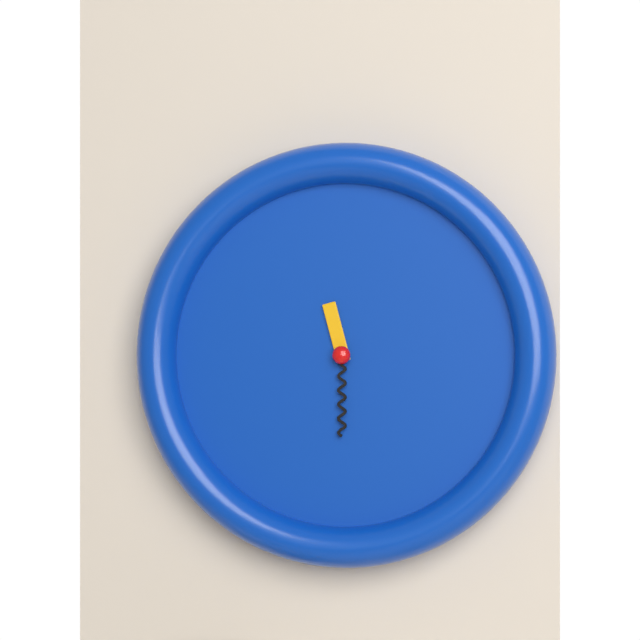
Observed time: 11:30
